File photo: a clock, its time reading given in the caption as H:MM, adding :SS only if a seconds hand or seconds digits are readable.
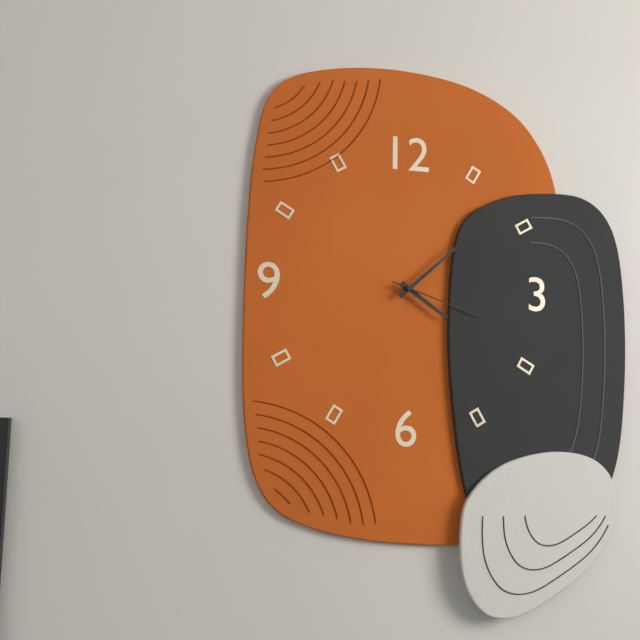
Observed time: 4:08:18
